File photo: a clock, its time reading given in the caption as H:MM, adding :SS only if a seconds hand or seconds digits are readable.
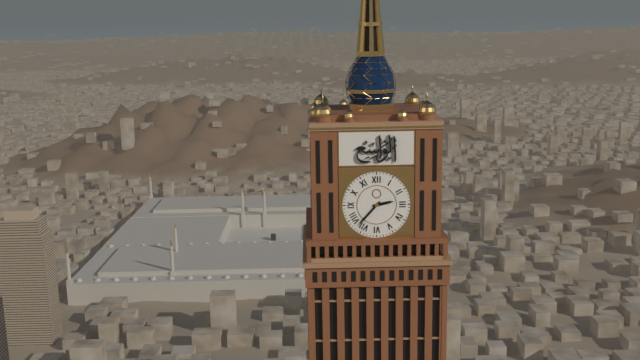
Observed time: 2:37
